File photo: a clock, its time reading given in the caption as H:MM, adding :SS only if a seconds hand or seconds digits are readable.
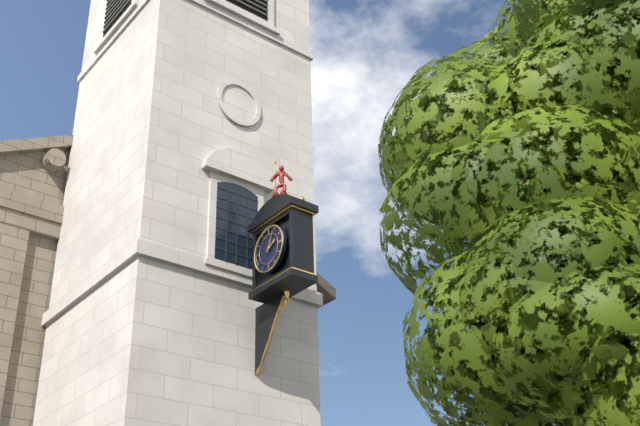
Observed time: 2:04
